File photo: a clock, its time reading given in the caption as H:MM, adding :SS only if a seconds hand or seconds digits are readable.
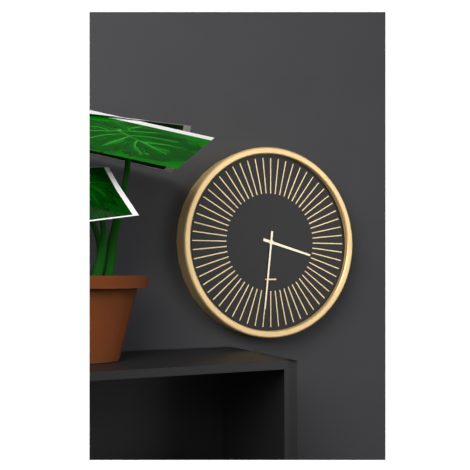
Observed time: 3:31
